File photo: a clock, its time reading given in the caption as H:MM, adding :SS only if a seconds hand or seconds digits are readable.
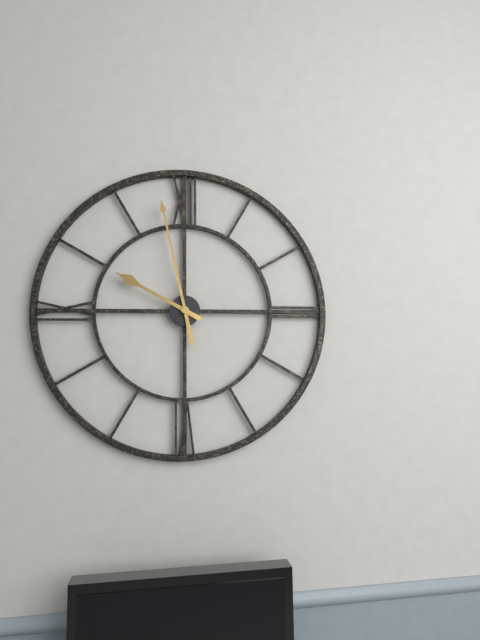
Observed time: 9:58
